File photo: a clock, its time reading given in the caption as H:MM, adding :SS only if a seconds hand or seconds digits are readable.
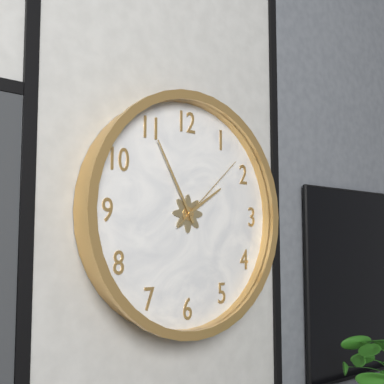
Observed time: 1:55:08
